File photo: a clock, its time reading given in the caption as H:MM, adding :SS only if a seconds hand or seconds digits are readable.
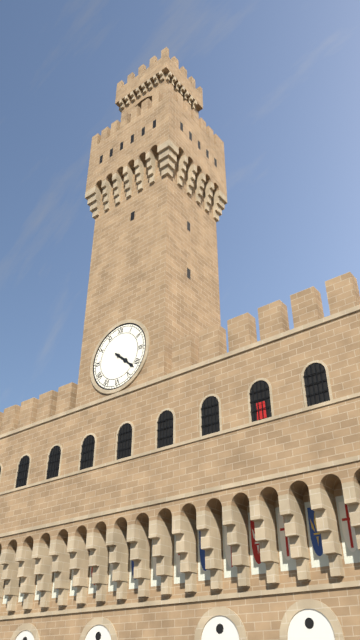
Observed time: 4:22
